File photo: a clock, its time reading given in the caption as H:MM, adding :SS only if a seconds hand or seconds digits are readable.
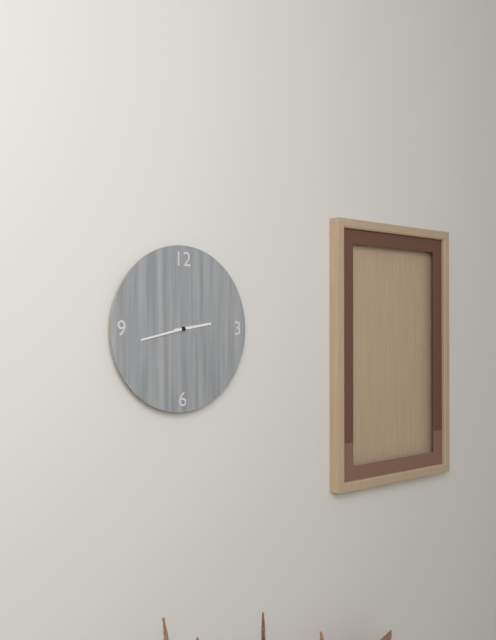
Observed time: 2:43
